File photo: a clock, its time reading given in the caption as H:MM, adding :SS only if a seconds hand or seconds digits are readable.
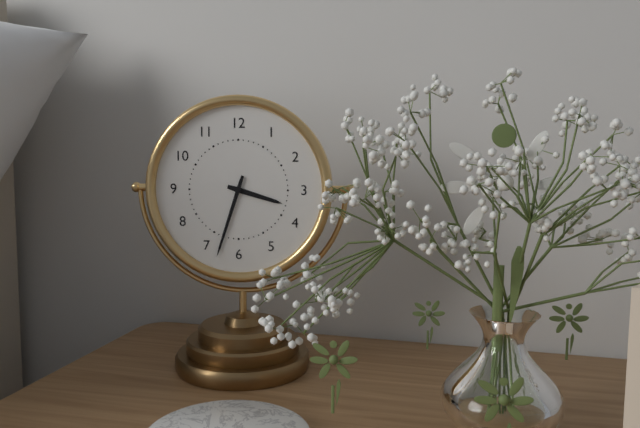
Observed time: 3:33
